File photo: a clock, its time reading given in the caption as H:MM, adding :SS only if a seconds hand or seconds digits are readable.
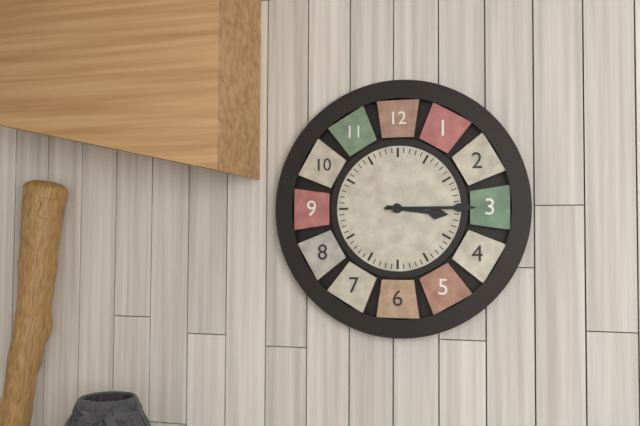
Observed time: 3:15
